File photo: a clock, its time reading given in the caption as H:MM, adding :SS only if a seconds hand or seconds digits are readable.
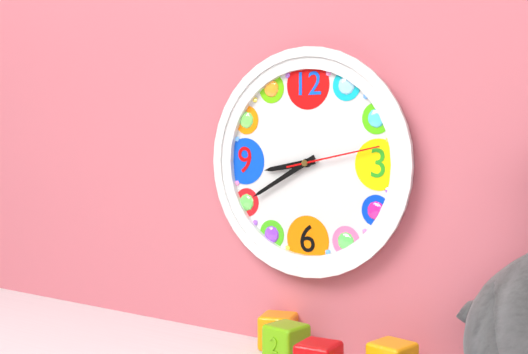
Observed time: 8:40:13
